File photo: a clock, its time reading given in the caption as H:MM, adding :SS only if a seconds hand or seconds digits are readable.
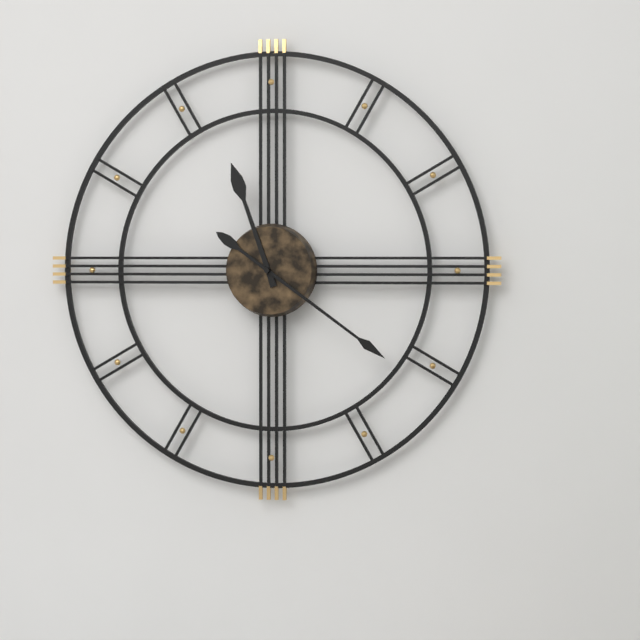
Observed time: 11:21
